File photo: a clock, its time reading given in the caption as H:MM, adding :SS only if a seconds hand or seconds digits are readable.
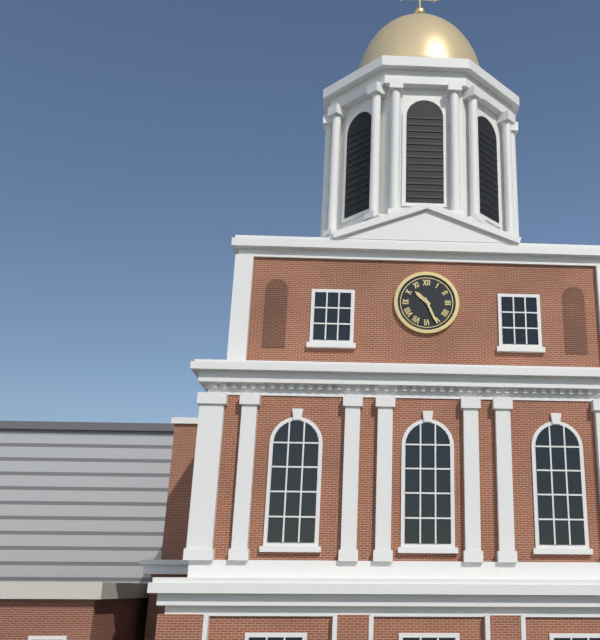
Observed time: 10:26
